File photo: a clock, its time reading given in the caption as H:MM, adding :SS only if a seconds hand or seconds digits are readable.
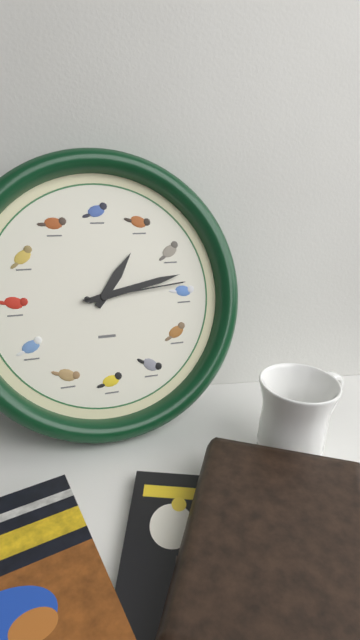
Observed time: 1:13:14
